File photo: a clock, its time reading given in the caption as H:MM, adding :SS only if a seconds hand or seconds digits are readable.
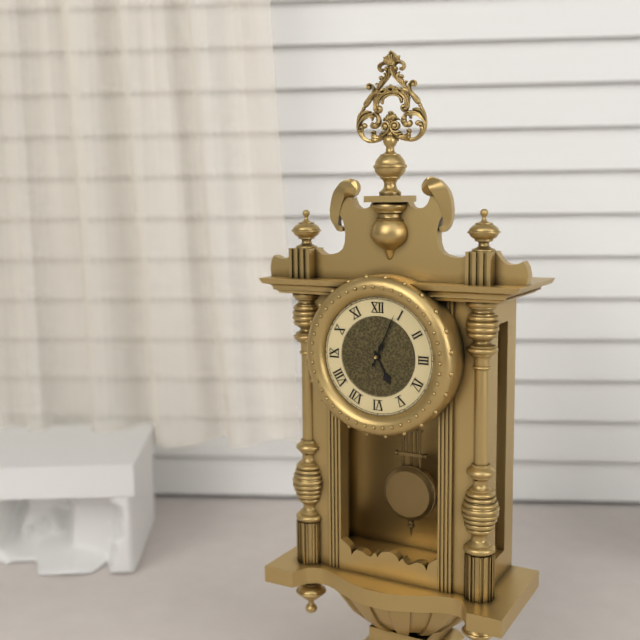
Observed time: 5:04
